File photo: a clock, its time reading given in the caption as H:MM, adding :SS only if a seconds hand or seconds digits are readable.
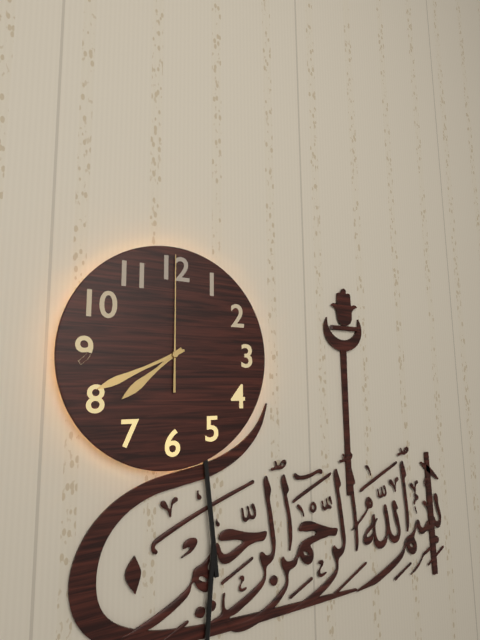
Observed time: 7:41:00
